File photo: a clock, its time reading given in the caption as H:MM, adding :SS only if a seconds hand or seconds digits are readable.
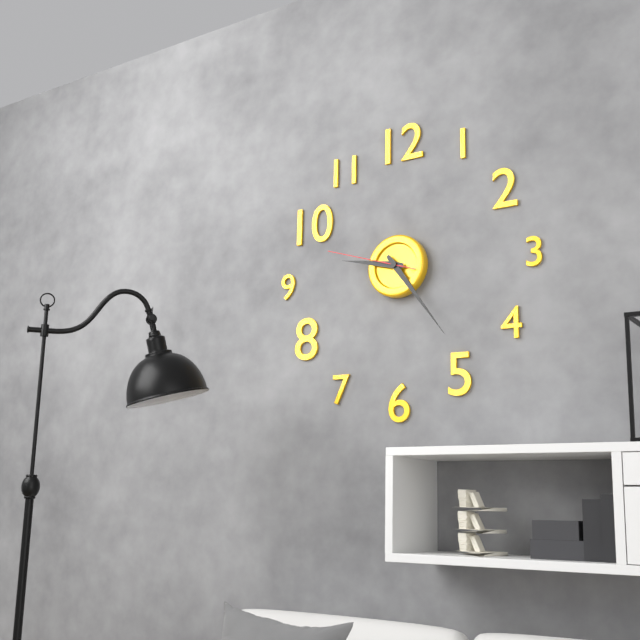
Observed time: 9:24:48
